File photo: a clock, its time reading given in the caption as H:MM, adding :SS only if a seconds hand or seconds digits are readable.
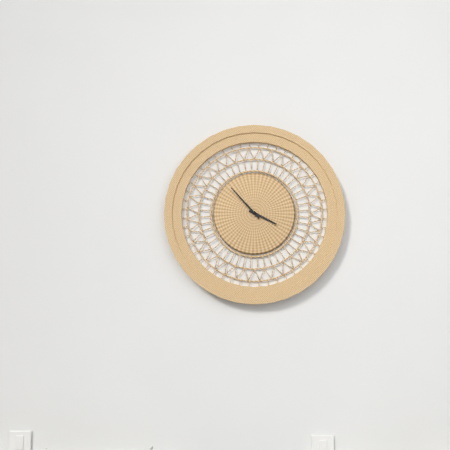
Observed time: 3:53
